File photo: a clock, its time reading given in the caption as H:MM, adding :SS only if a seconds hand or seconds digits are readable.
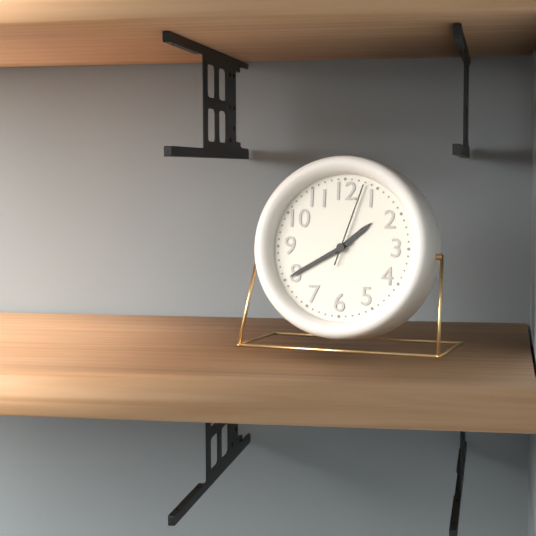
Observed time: 1:40:03
